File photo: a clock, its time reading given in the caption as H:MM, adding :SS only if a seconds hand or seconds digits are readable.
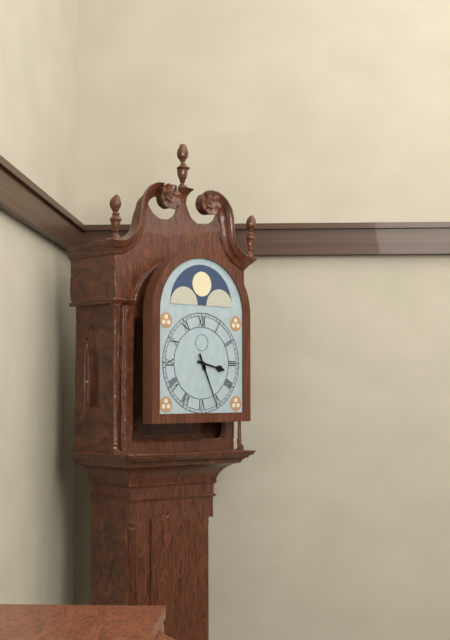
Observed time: 3:26
